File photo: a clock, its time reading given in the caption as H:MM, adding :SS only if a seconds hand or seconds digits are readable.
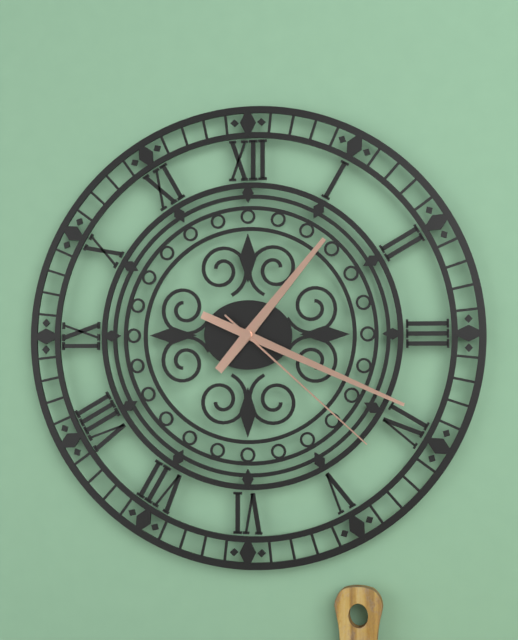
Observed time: 1:19:22
